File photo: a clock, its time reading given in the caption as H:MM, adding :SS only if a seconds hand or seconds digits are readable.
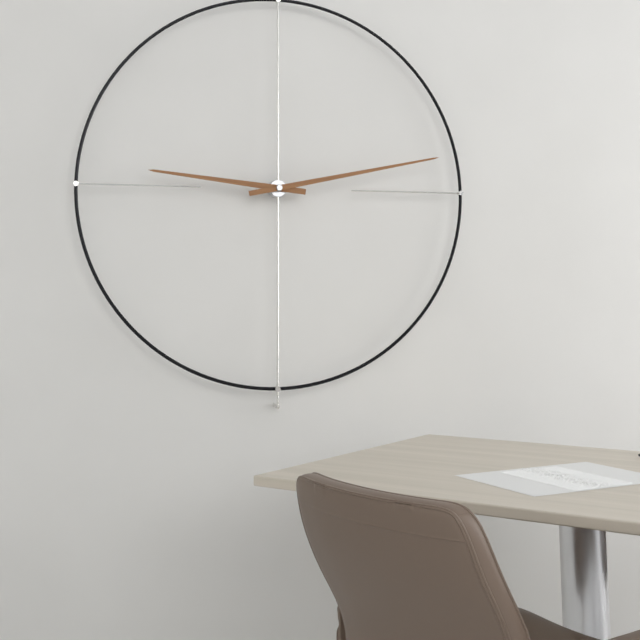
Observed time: 9:13
